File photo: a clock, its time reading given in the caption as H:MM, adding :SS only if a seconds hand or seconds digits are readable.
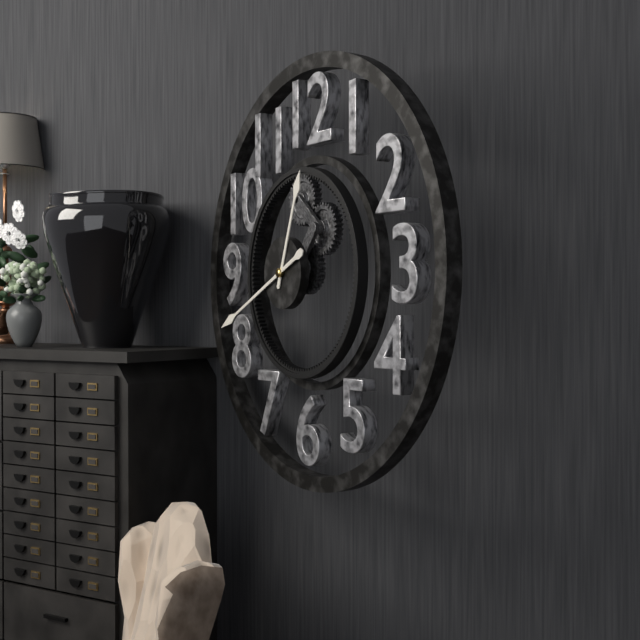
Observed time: 12:41
